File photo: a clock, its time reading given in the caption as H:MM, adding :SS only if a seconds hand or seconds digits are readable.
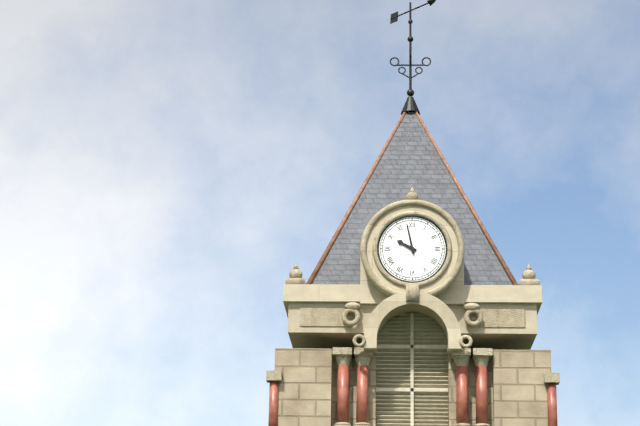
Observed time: 9:58
